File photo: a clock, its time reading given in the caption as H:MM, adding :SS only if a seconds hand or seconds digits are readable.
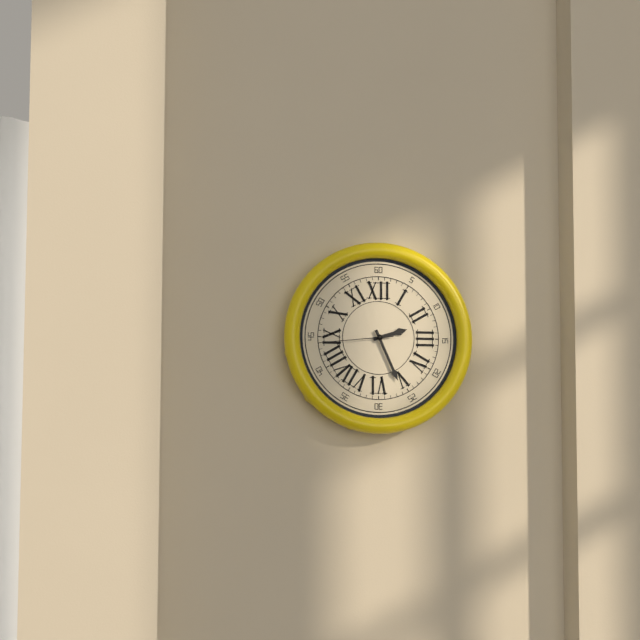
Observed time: 2:26:44
